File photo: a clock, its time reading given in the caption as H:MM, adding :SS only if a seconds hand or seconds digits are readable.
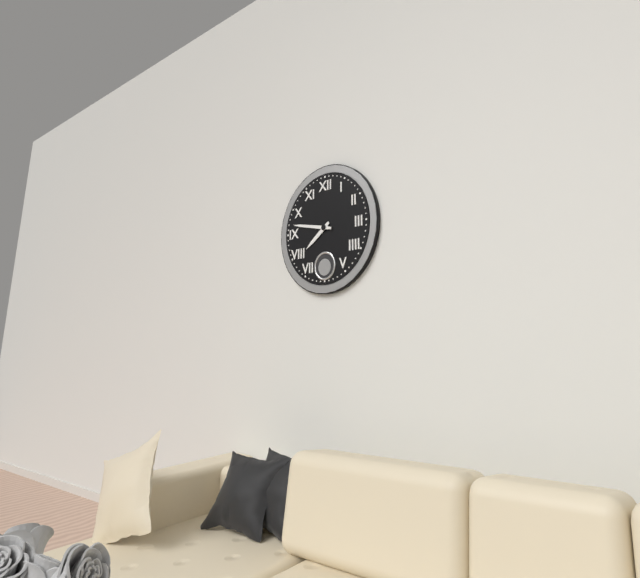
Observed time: 7:47
